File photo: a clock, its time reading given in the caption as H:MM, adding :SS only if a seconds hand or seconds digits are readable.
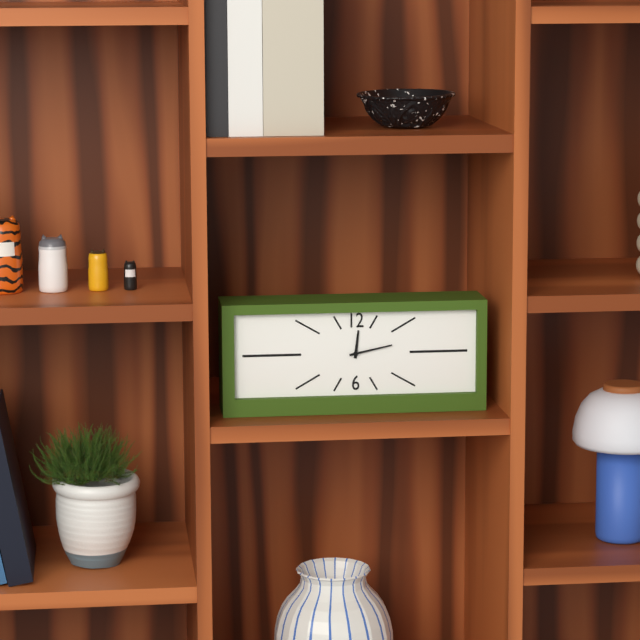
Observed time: 12:13
